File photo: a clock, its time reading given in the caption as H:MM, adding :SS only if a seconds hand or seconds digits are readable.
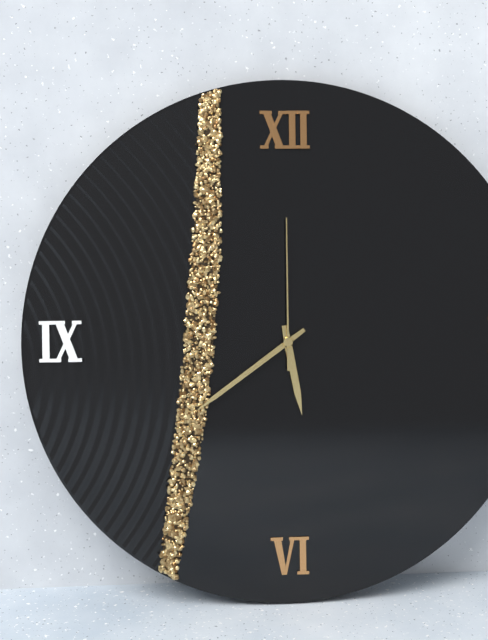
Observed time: 5:39:00
